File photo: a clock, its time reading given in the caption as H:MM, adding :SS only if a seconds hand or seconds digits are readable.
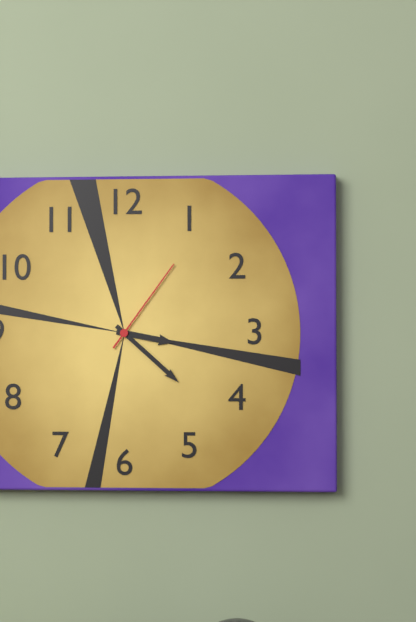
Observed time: 3:22:06
